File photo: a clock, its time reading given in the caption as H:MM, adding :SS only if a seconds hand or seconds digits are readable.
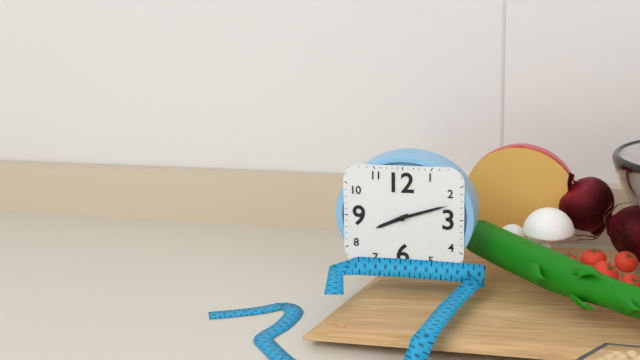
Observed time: 8:12:12
